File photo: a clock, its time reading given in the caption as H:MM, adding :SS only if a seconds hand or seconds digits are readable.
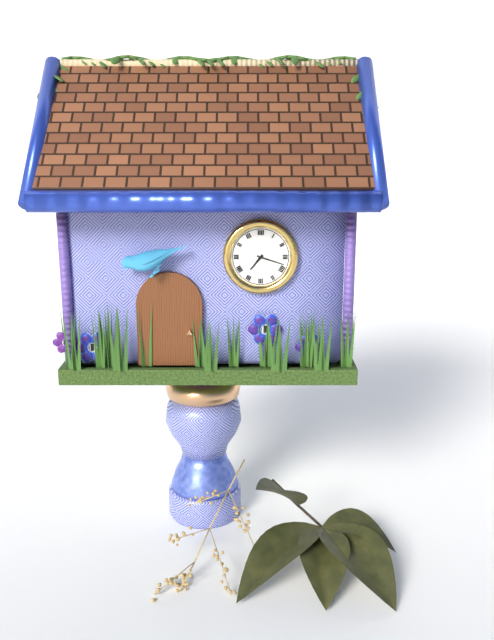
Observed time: 7:18
